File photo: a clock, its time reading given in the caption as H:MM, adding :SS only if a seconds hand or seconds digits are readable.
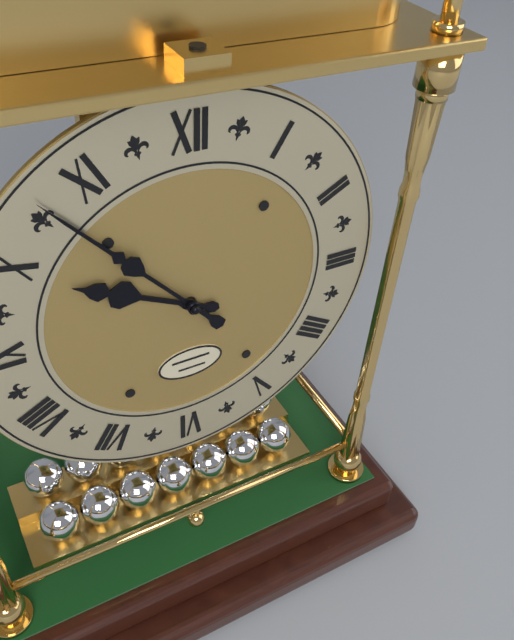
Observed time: 9:53
